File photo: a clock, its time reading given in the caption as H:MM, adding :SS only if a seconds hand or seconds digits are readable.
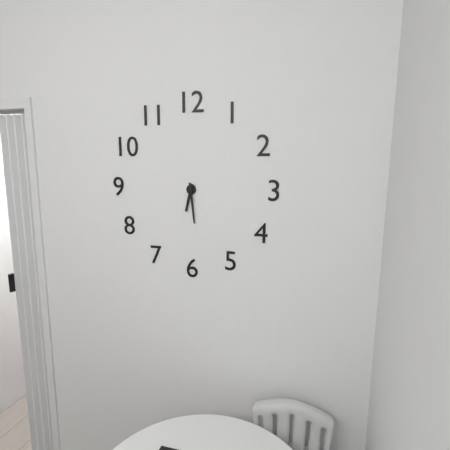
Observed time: 6:29
